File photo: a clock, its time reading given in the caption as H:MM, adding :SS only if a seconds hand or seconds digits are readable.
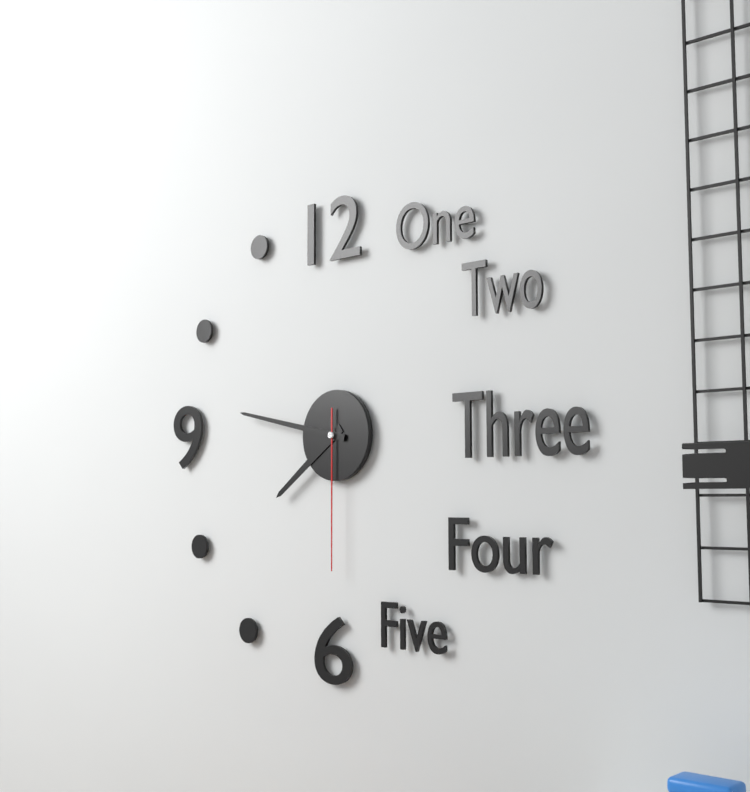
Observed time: 7:47:30
